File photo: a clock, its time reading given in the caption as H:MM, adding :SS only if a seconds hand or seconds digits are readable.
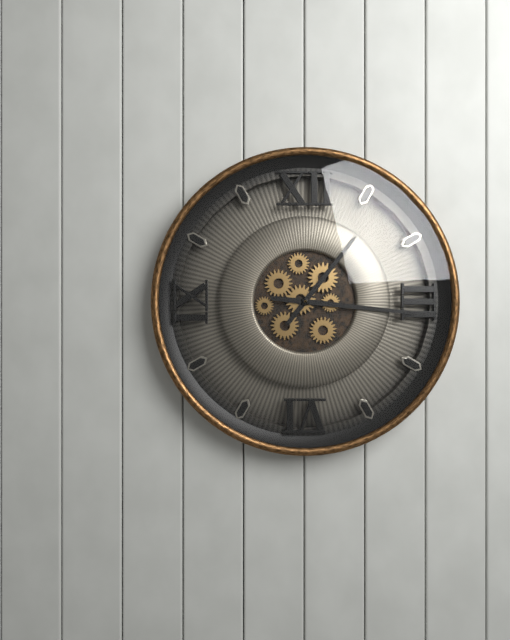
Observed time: 1:16
